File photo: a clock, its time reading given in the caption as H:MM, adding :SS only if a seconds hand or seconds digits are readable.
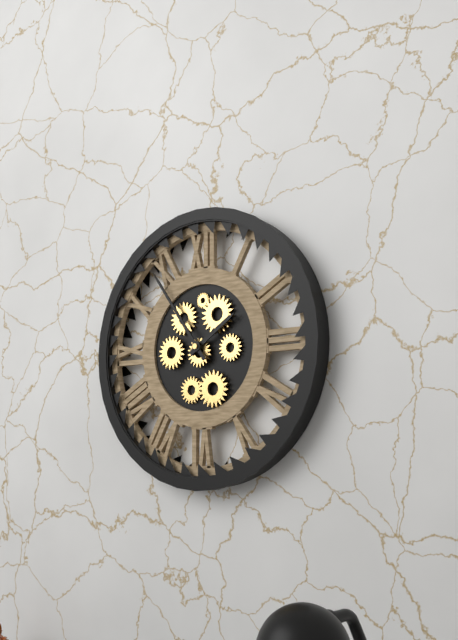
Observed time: 1:54
